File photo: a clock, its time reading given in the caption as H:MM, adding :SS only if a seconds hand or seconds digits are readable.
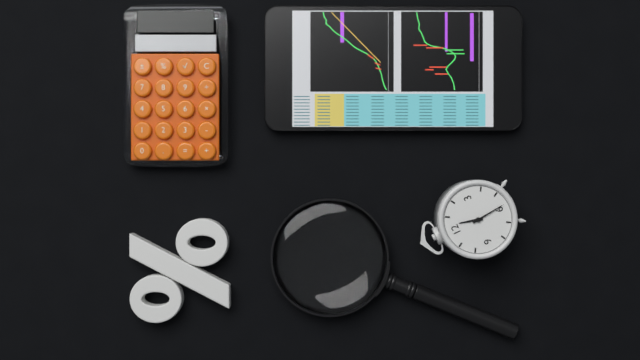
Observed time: 12:29
